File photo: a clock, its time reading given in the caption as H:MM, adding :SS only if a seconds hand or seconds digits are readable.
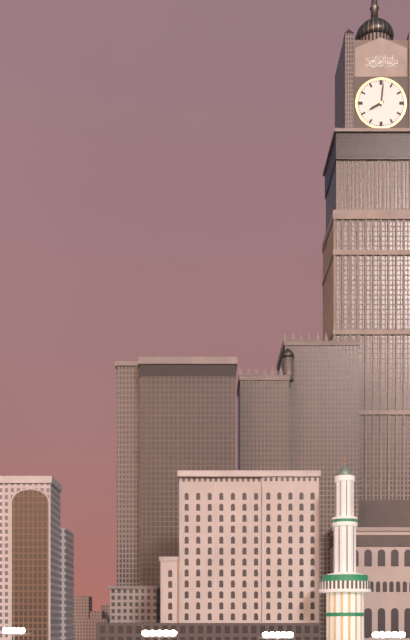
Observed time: 8:01
